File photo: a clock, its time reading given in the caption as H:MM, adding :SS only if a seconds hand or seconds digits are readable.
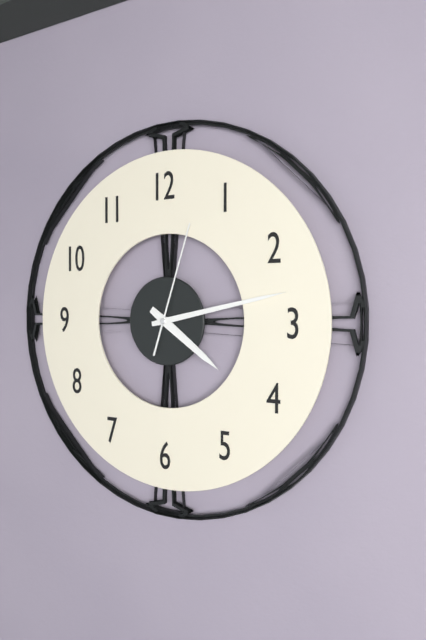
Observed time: 4:13:03
